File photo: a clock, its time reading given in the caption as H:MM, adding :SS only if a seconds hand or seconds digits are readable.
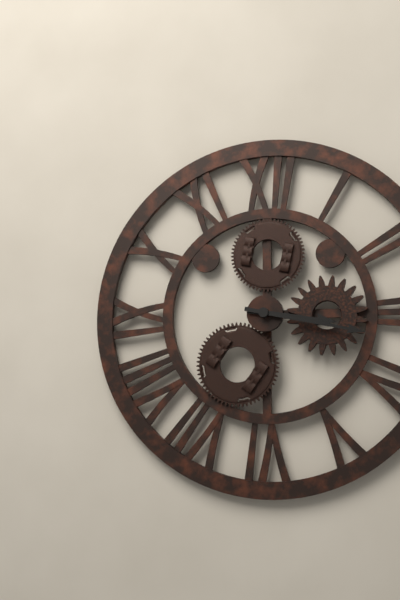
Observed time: 3:17
